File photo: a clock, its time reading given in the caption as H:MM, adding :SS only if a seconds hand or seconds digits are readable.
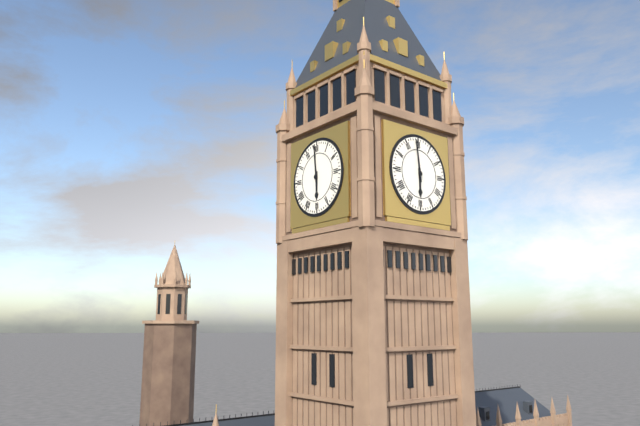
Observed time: 5:59
